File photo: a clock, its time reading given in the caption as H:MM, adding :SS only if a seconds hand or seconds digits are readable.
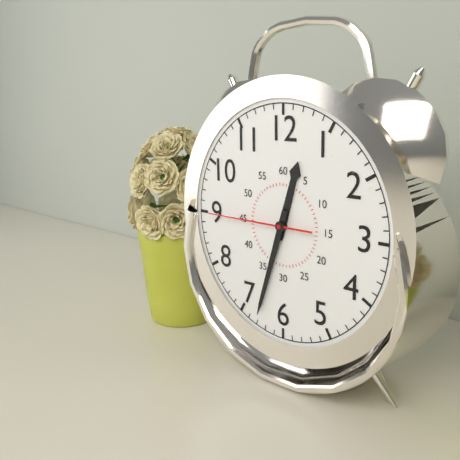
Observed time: 12:33:45
